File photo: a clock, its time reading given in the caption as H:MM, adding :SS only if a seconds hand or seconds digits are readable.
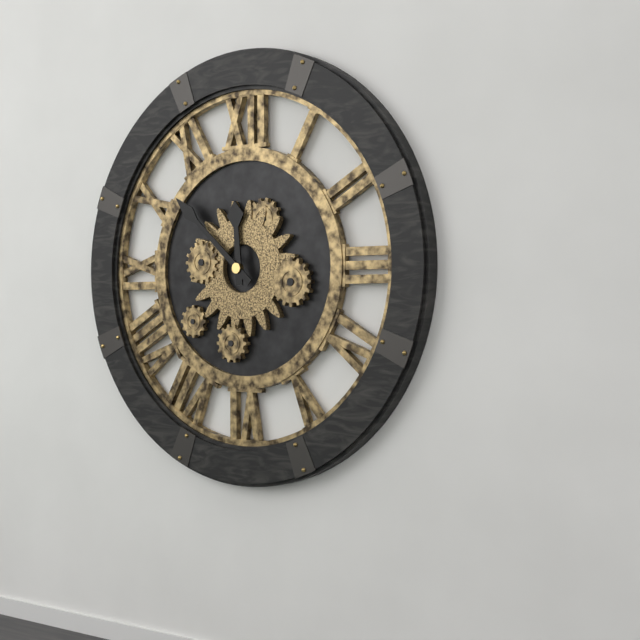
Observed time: 11:52
